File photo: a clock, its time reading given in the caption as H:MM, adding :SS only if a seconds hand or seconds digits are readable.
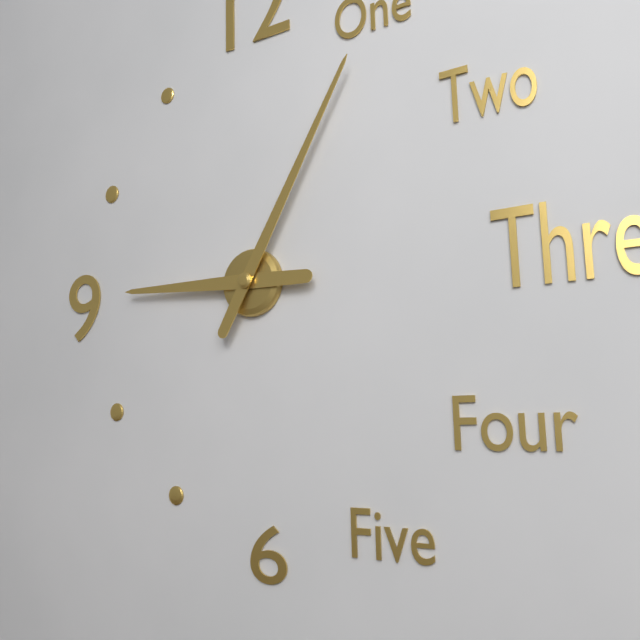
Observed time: 9:05
